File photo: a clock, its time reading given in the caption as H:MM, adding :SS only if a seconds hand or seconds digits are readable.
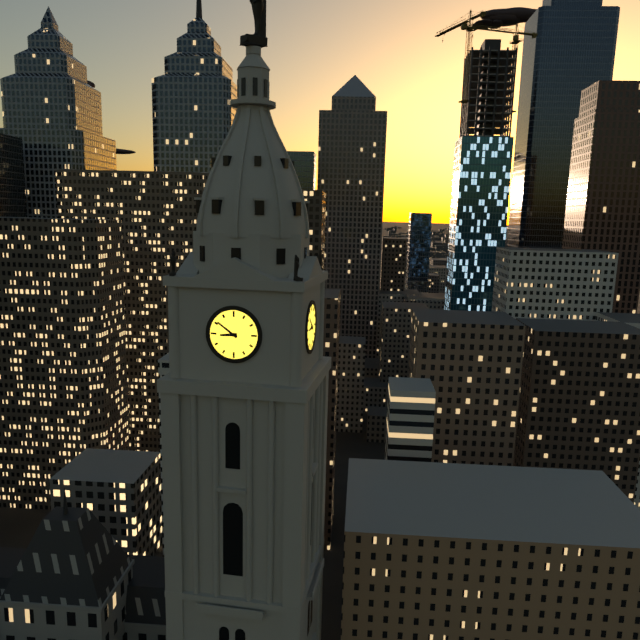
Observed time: 8:51
